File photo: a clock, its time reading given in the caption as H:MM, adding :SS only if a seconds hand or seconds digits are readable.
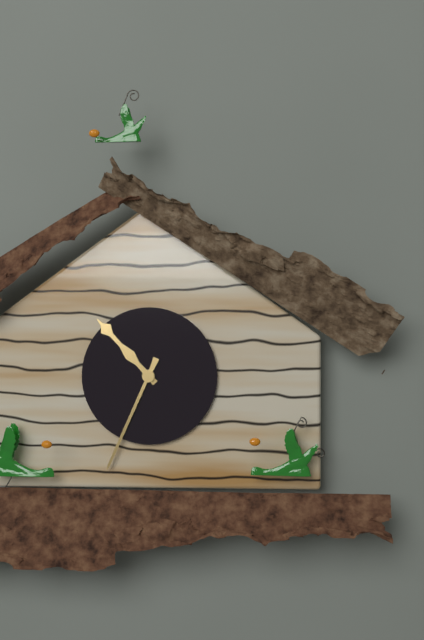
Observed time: 10:34
